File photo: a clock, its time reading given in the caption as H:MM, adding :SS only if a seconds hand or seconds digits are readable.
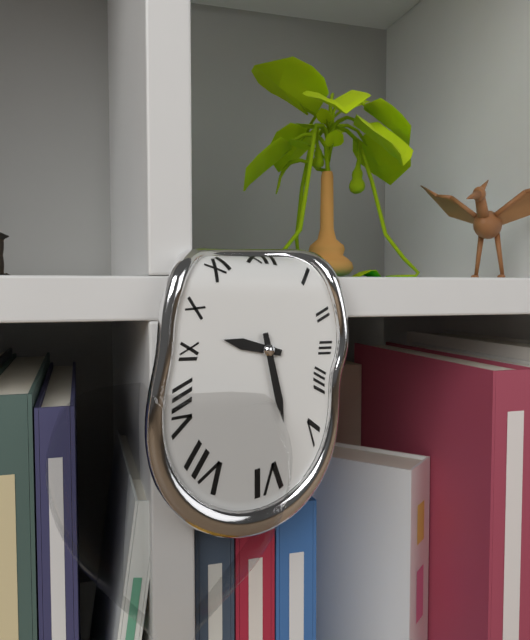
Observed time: 9:28
